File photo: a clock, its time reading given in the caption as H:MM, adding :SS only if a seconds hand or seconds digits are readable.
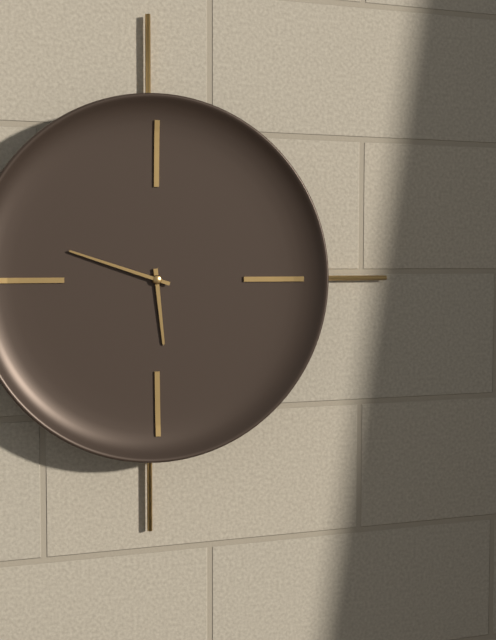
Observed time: 5:48
